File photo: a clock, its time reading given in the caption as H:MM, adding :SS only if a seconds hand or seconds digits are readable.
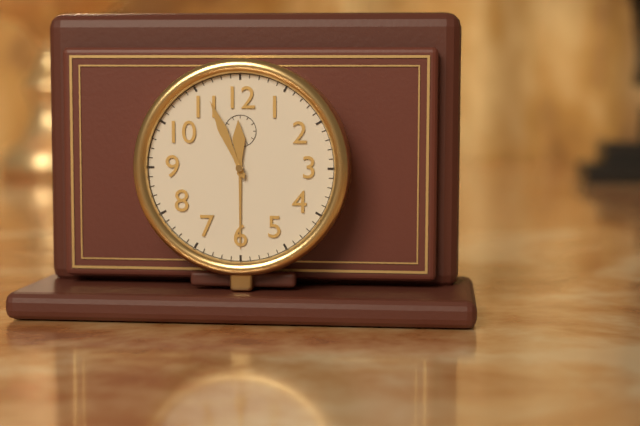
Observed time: 11:56
